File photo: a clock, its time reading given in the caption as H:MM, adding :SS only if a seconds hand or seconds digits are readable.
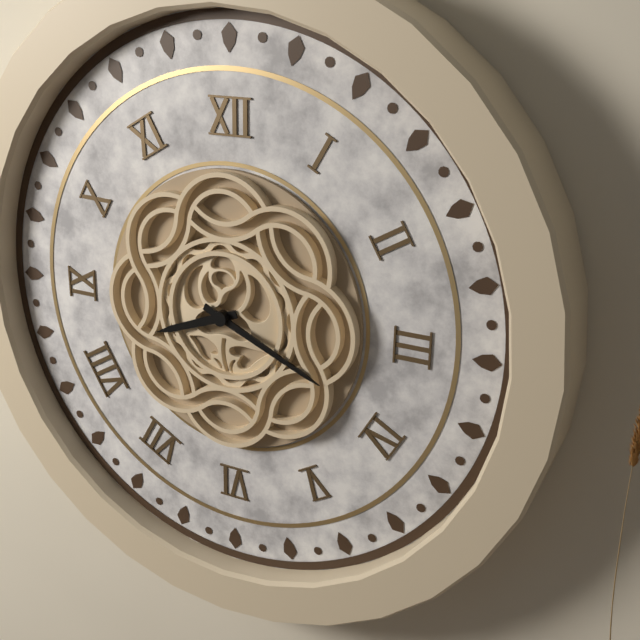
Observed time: 8:19
